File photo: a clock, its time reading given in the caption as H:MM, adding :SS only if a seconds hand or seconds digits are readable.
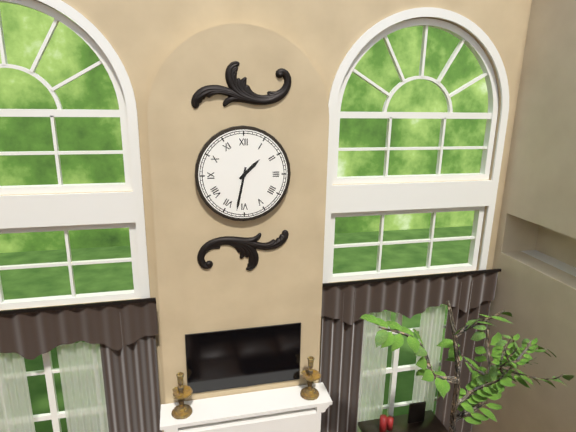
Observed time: 1:32
